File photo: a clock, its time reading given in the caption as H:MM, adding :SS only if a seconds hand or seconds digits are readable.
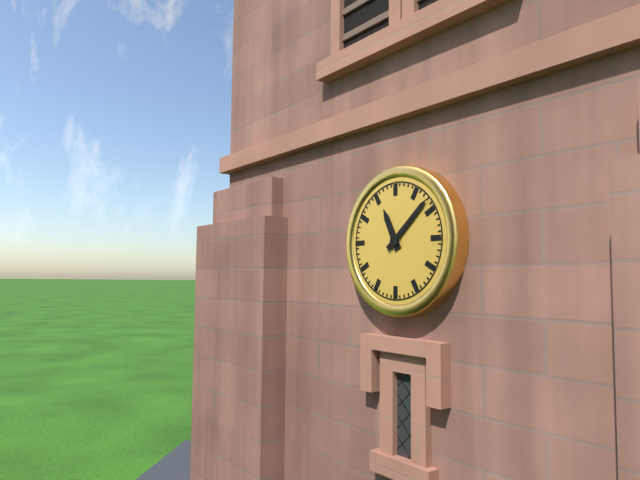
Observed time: 11:08
